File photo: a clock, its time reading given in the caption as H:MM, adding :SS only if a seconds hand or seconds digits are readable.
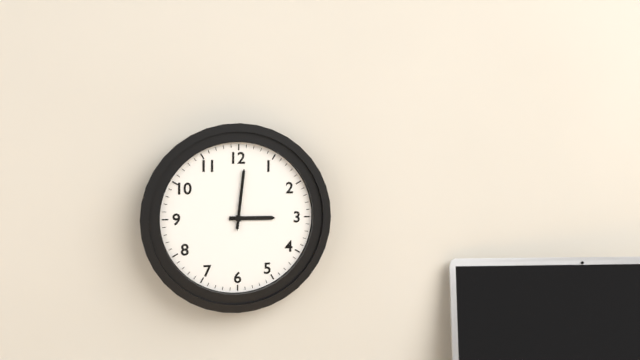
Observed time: 3:01:01
